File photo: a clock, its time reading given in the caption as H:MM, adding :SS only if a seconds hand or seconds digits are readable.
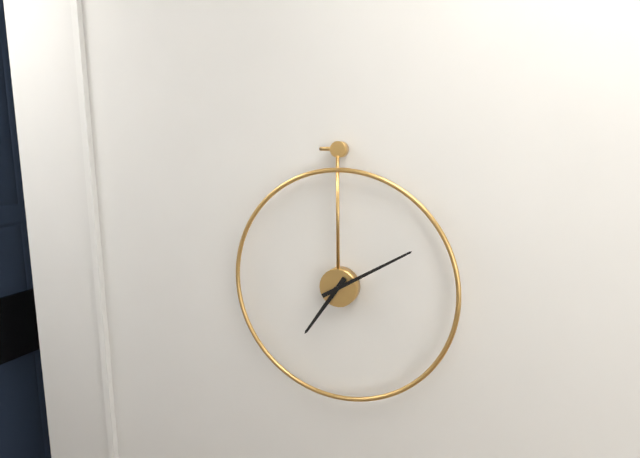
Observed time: 7:10
